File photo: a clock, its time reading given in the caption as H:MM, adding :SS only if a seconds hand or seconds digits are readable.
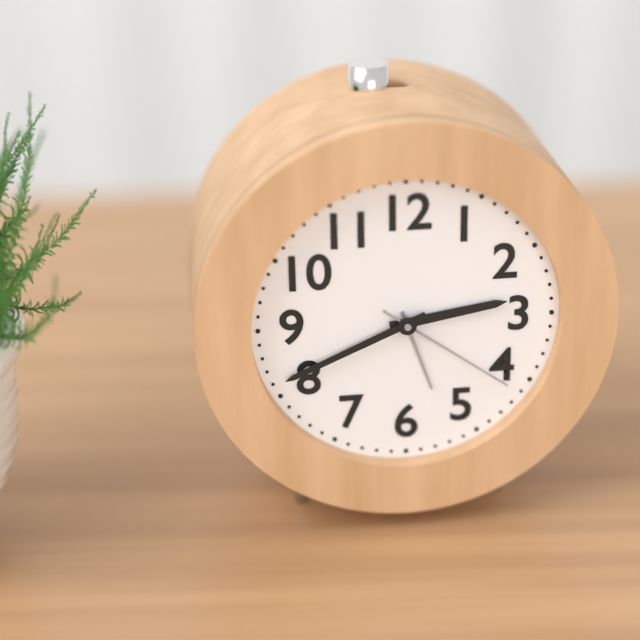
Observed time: 2:41:21
